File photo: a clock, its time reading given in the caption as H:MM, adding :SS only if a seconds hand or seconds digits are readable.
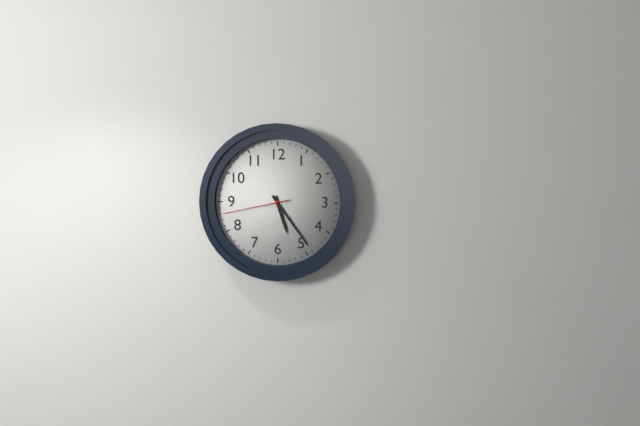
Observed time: 5:24:43
